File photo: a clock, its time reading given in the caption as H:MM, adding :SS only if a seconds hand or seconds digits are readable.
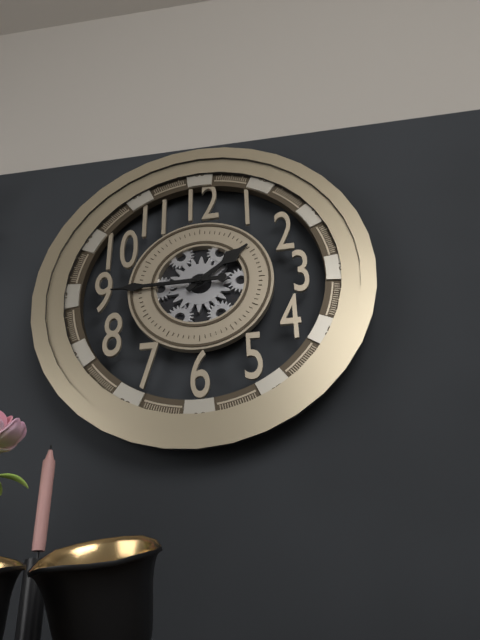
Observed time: 1:45
